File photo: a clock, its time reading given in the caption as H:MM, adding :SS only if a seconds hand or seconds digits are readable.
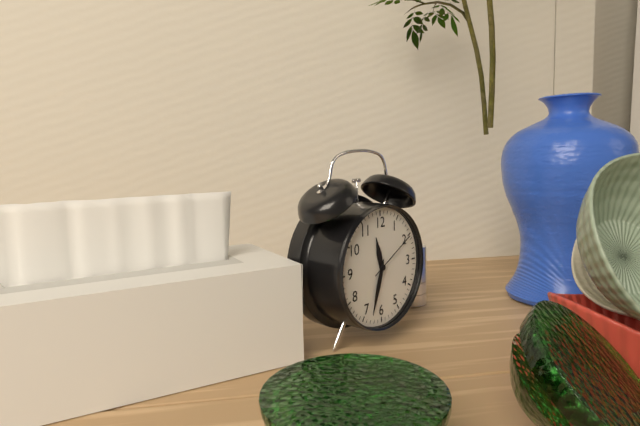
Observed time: 11:33:10
